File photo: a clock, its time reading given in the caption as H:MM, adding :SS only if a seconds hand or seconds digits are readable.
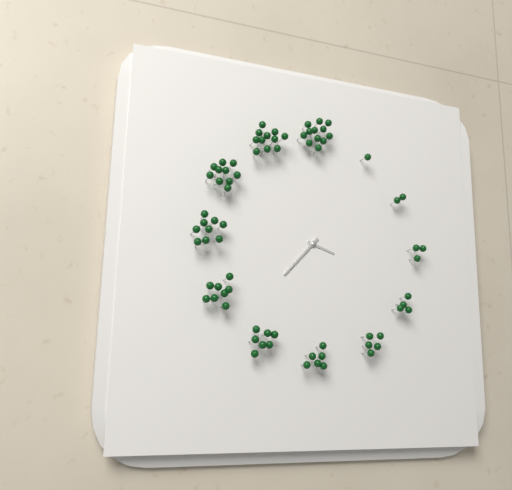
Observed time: 3:37
